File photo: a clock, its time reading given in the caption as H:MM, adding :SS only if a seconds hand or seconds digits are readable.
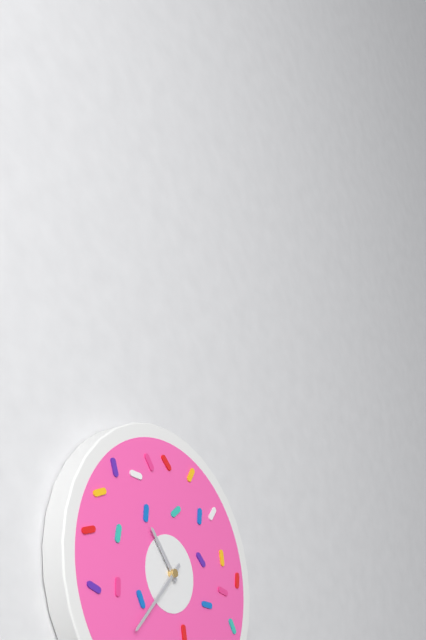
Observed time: 10:37
